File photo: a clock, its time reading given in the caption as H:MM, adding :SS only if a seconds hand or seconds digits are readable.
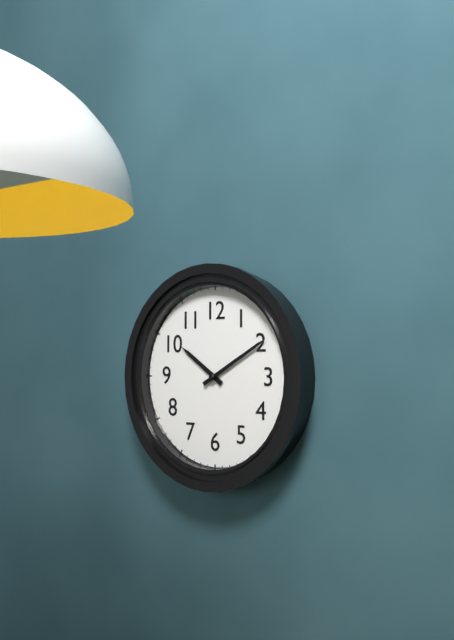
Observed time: 10:10
